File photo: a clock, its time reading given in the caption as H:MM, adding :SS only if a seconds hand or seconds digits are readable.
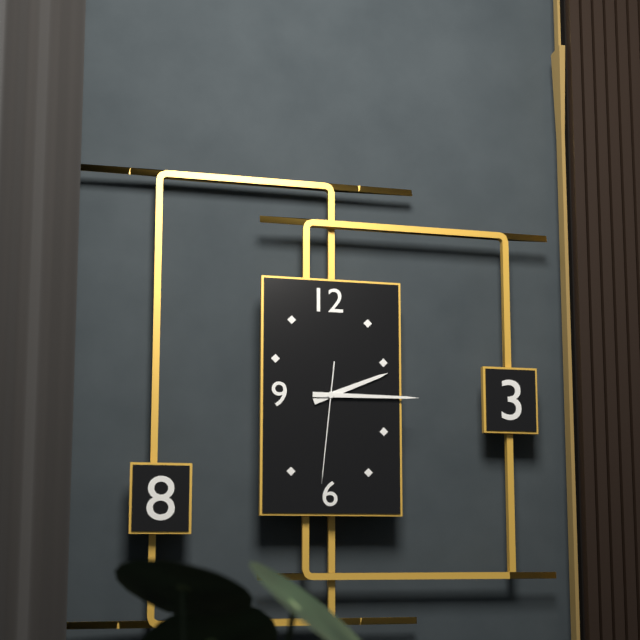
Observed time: 2:15:31
